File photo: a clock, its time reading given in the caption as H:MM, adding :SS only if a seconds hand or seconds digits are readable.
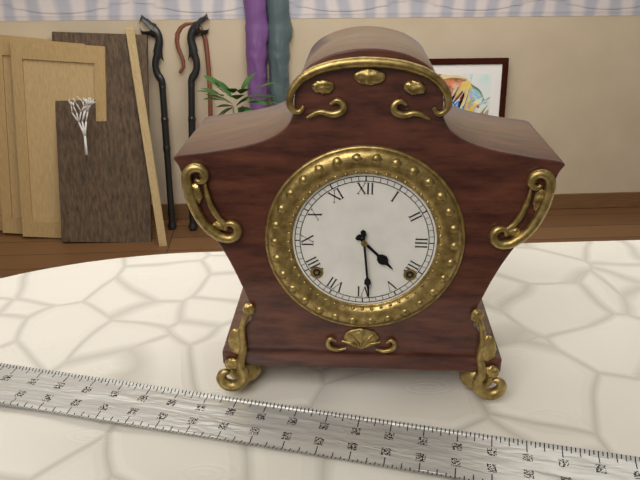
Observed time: 4:29
